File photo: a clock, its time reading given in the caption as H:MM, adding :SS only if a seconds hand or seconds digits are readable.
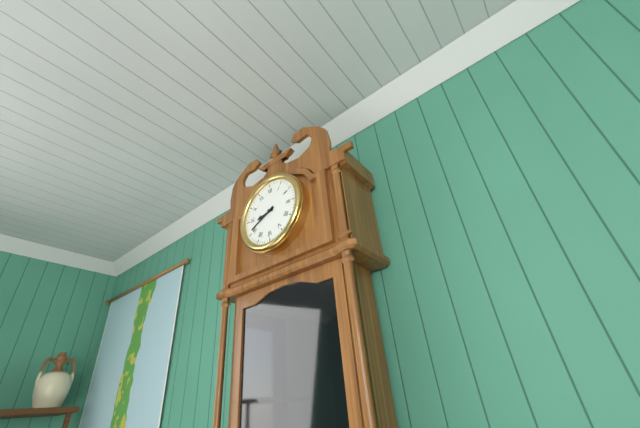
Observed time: 8:41
